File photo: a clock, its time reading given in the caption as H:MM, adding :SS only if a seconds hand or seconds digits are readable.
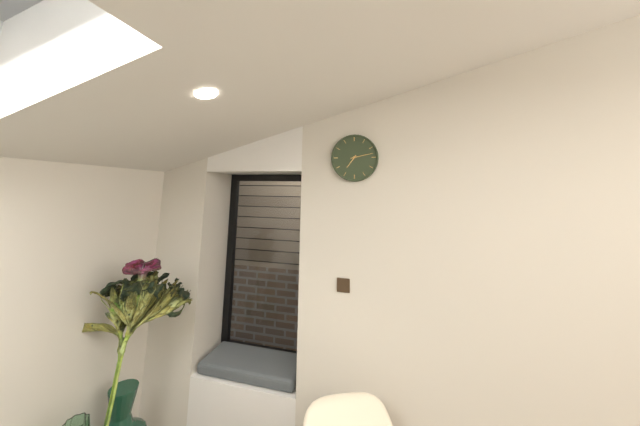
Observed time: 7:13
